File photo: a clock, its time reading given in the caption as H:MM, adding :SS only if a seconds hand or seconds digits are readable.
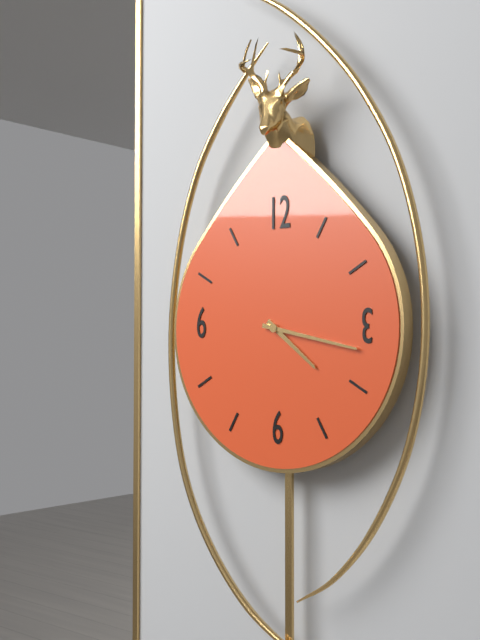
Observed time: 4:17
